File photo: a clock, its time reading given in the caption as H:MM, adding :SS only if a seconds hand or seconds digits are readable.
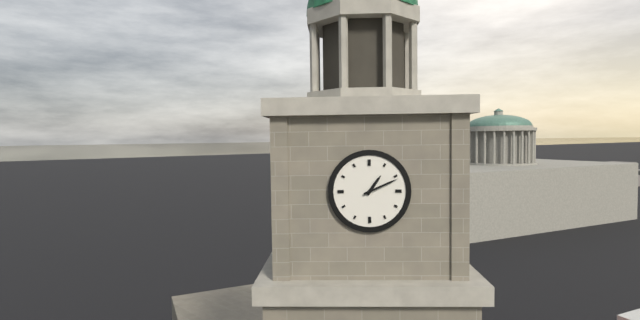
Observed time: 1:11
